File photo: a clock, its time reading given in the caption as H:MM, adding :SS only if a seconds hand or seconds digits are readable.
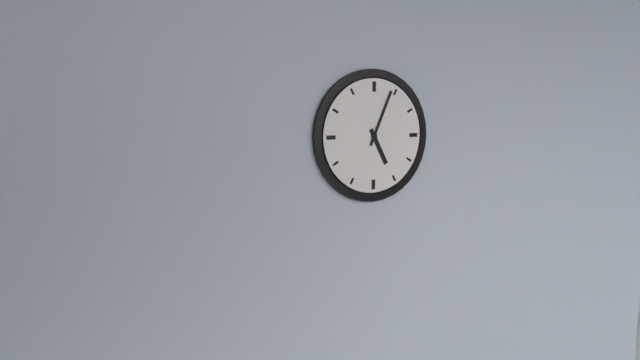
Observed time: 5:04
